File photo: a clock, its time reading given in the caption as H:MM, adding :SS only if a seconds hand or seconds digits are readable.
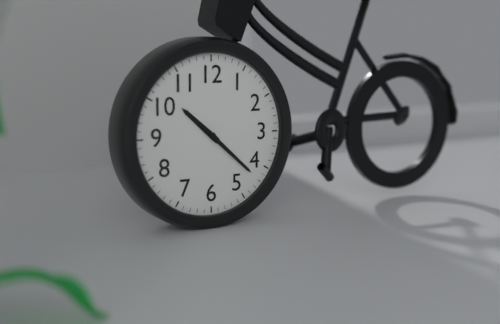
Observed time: 10:22
